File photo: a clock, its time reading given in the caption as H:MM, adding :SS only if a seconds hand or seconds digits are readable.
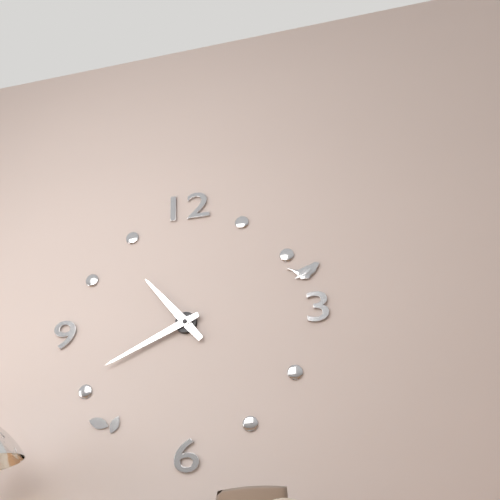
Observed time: 10:41
